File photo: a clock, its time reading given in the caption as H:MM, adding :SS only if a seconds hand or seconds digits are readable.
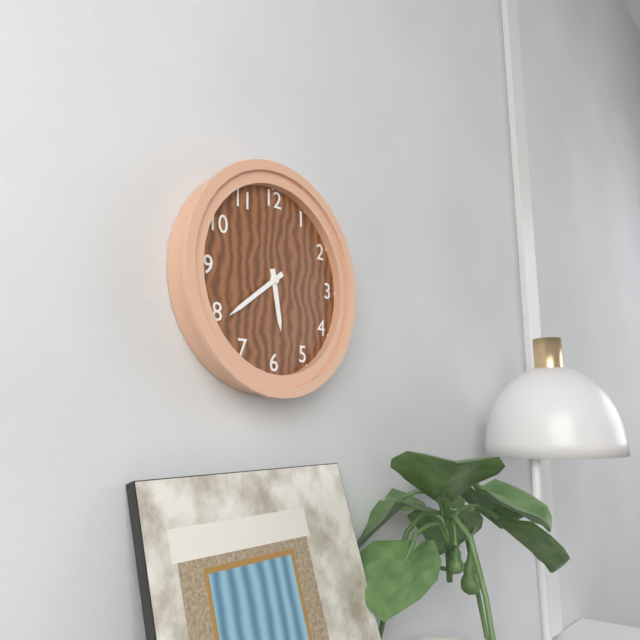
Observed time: 5:39
